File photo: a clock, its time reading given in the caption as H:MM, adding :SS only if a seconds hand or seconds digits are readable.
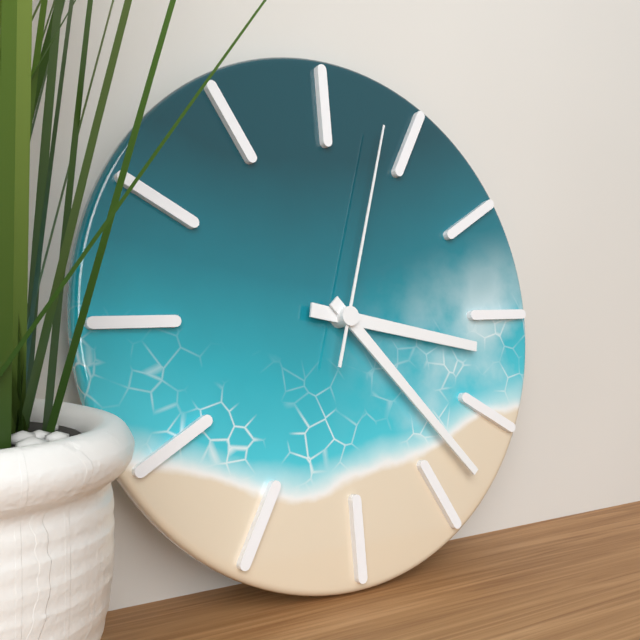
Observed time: 3:23:03
